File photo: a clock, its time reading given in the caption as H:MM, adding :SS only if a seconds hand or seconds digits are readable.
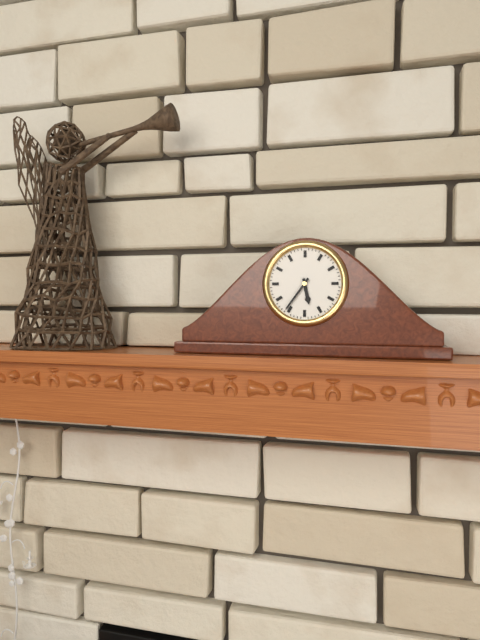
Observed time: 5:36
